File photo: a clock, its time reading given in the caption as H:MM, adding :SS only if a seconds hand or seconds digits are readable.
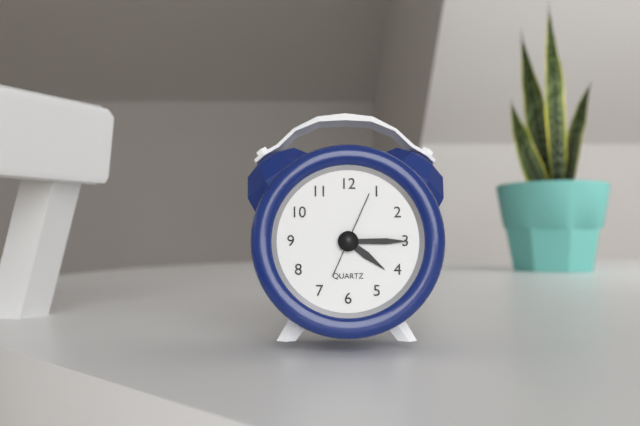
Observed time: 4:15:04
